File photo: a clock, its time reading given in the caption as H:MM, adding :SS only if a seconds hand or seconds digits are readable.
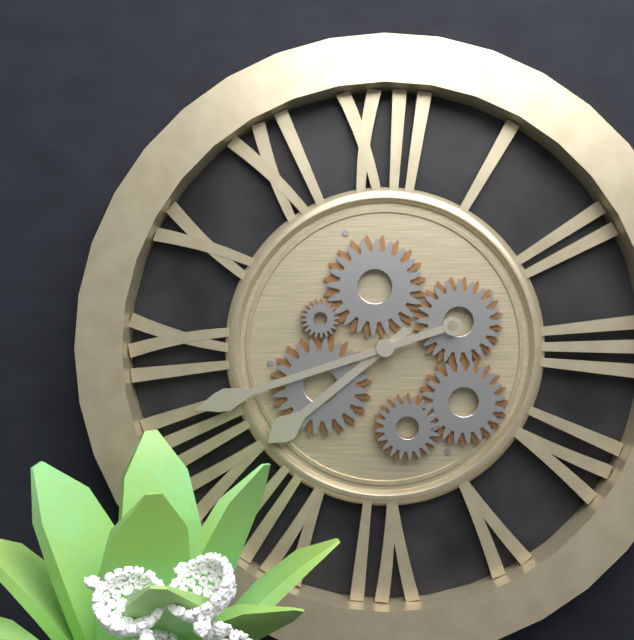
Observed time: 7:42
